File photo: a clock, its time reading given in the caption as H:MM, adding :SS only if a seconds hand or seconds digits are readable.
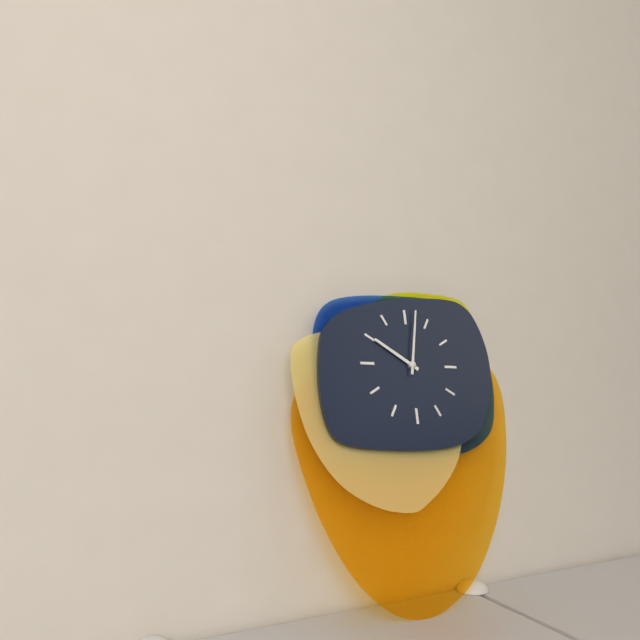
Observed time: 10:02
